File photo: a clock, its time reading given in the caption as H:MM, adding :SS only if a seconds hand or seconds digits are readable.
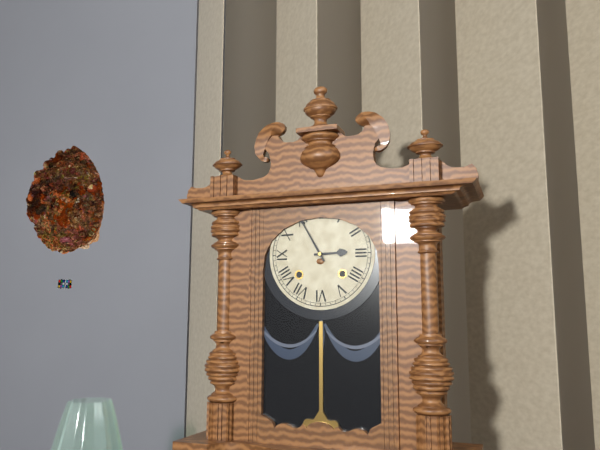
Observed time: 2:55
